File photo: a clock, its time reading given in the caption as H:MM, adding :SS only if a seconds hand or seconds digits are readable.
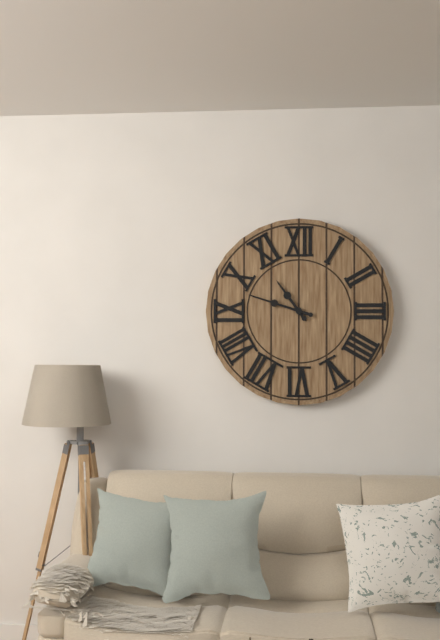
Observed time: 10:48
